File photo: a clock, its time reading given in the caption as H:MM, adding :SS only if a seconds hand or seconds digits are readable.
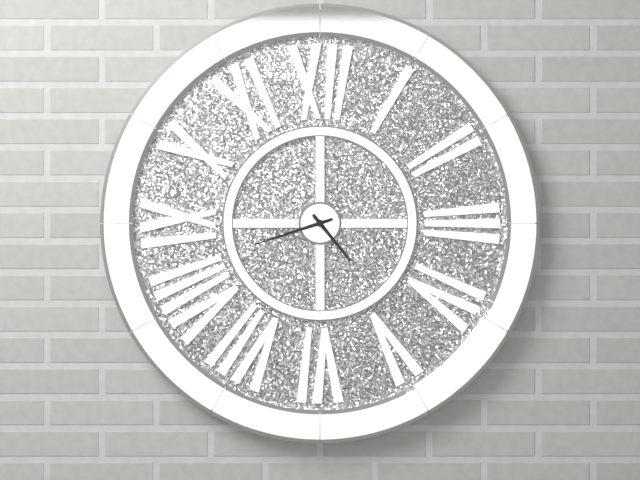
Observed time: 4:42
